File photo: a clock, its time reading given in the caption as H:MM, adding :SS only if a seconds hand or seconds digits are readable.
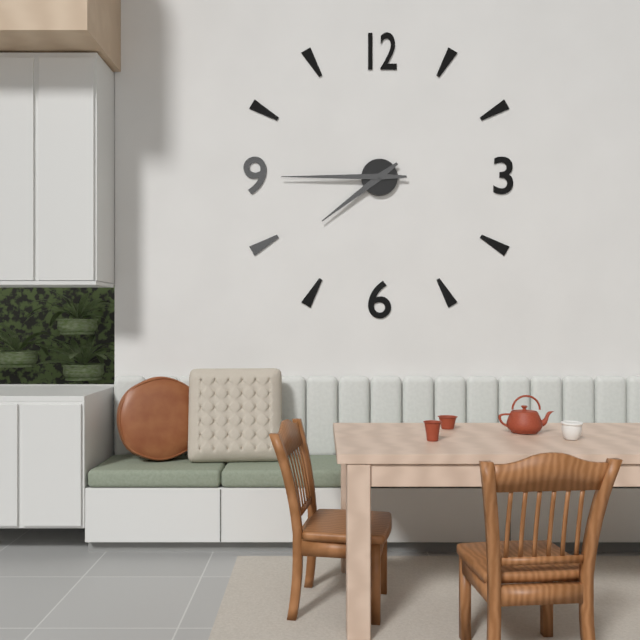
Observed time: 7:45
